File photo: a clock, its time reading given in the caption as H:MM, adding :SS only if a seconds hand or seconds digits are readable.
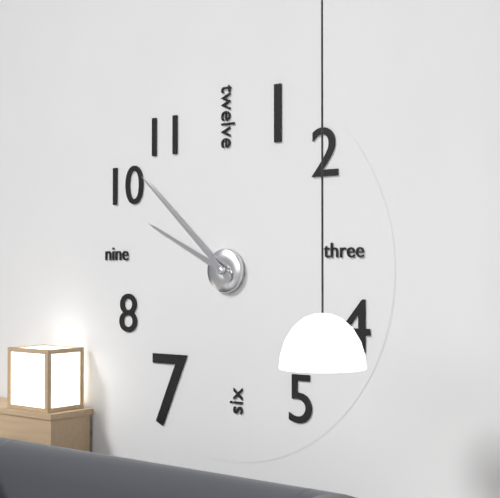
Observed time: 9:52
